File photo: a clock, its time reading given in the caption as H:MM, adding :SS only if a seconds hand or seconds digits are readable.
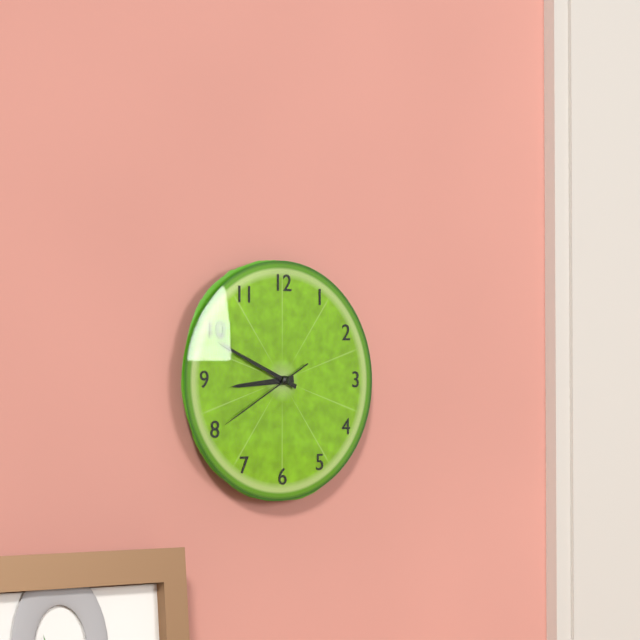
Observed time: 8:49:40
